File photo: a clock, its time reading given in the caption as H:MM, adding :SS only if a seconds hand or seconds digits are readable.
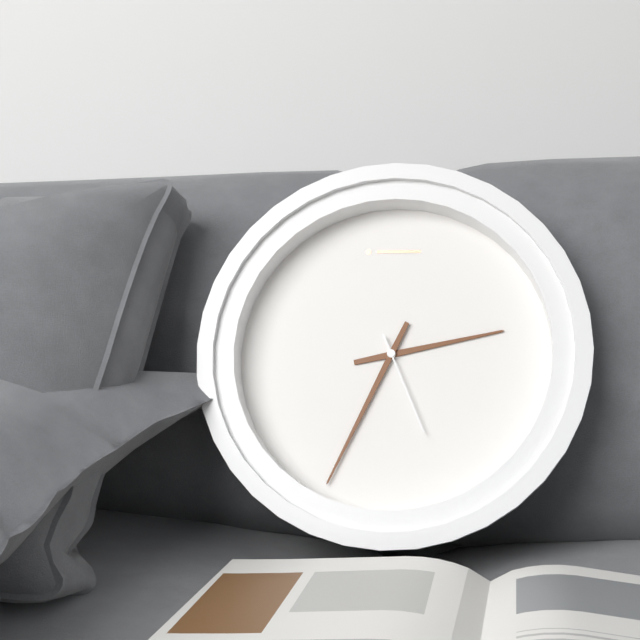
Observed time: 2:34:26
